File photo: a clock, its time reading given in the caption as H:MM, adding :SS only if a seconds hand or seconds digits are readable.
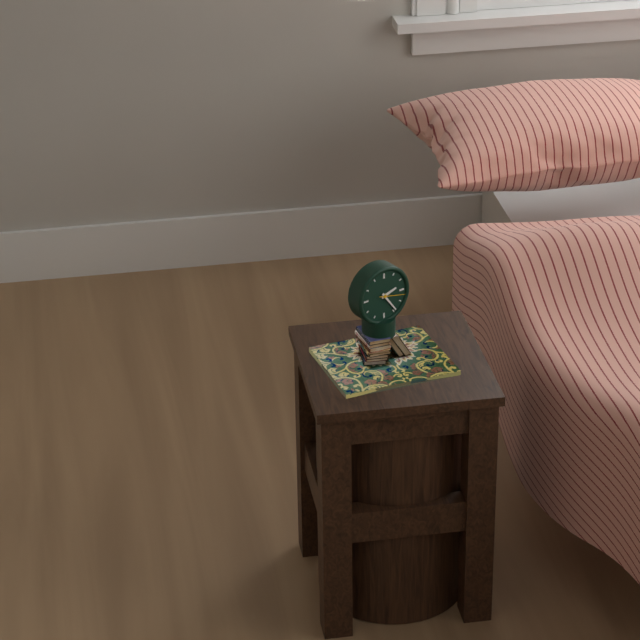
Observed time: 2:24
